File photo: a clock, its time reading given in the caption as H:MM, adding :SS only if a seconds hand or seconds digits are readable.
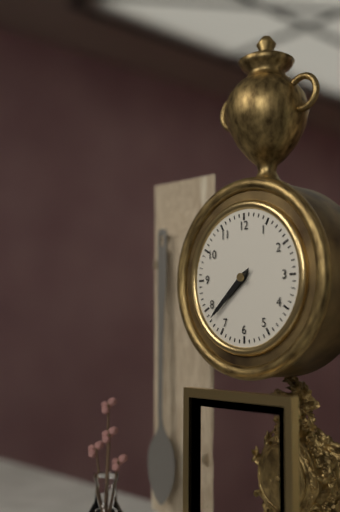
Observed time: 7:38
